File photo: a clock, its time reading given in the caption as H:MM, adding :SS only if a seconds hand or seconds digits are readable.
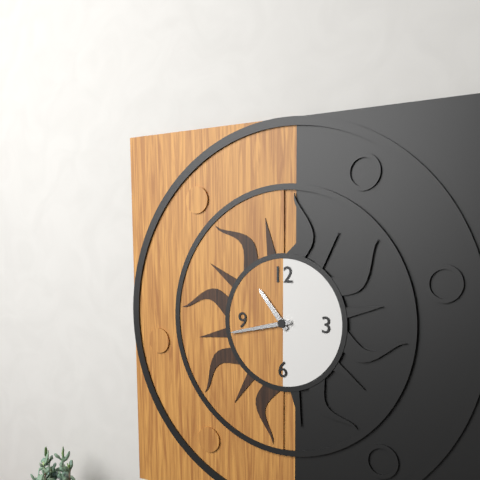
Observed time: 10:43
